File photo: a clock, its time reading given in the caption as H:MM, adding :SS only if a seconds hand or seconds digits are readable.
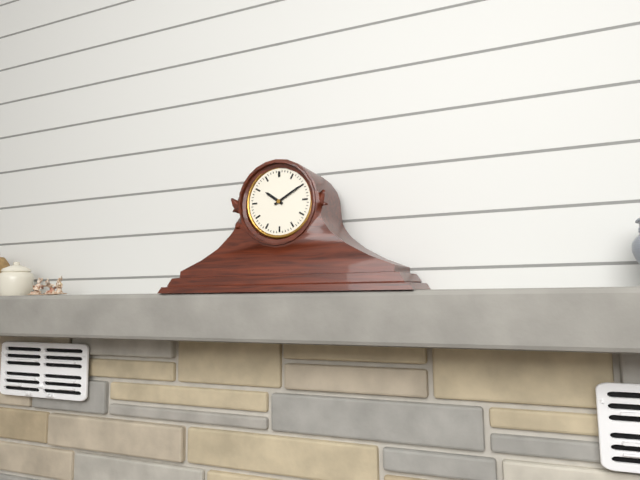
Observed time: 10:10
